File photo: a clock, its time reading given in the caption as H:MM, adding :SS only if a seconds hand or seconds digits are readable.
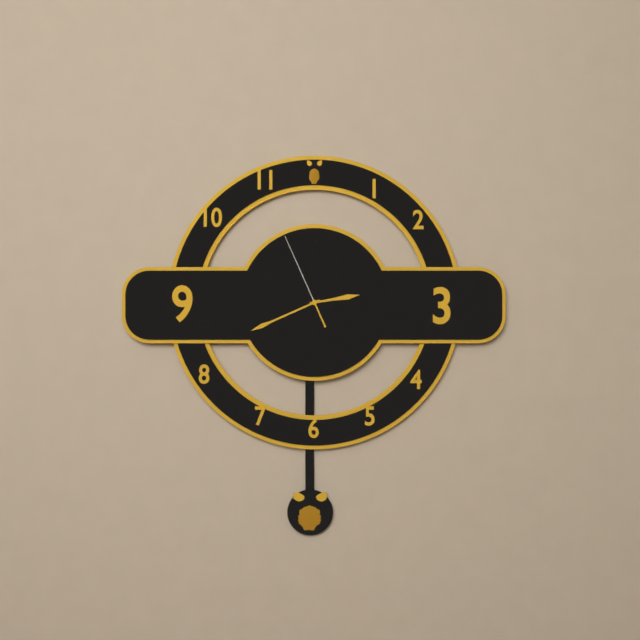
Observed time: 2:41:56
